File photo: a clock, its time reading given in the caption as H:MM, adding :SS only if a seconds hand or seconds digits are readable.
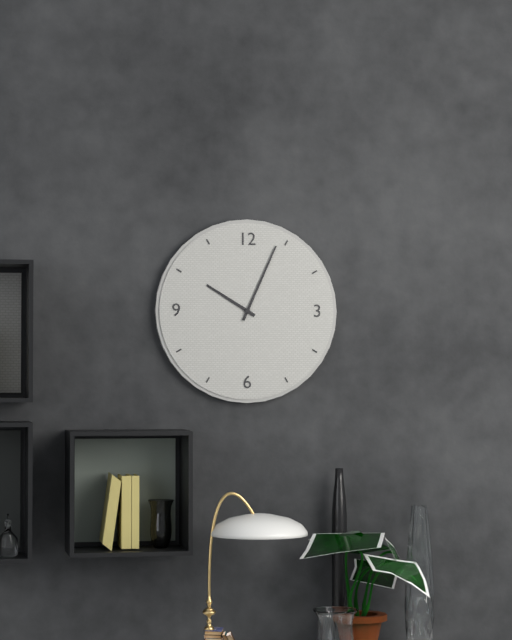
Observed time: 10:04
